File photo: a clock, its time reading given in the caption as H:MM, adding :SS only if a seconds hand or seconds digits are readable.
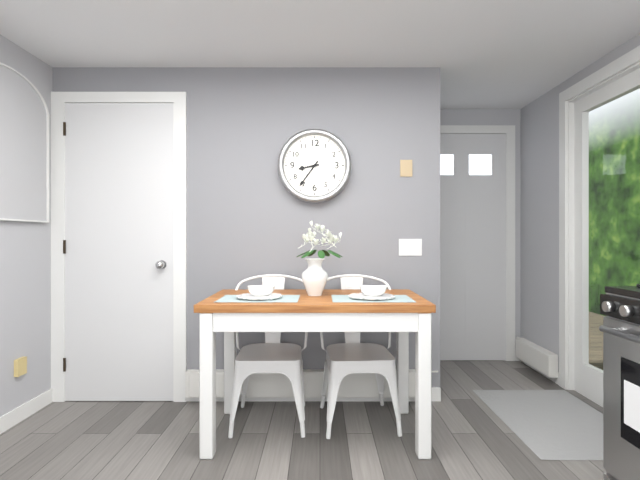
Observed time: 8:36
